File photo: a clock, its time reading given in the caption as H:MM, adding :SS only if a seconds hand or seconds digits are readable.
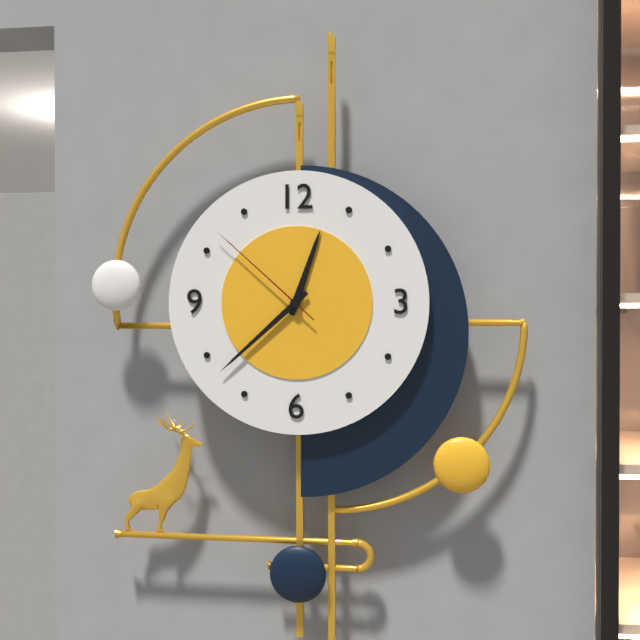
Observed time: 12:38:52
